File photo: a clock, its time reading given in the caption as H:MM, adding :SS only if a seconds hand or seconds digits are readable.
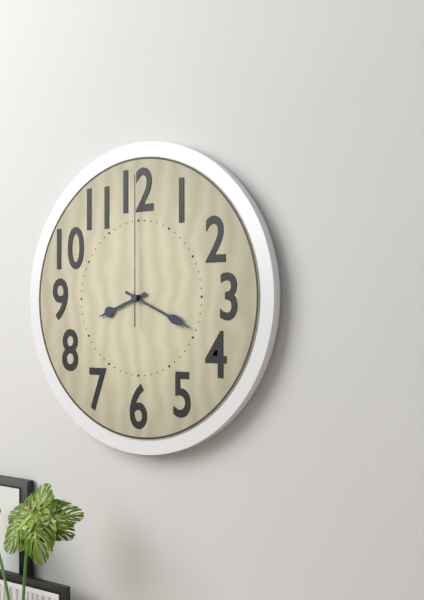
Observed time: 8:19:00
